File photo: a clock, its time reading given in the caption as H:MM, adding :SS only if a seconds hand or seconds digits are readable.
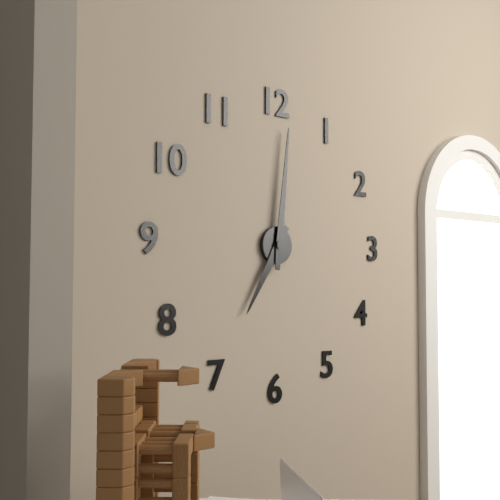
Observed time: 7:01
